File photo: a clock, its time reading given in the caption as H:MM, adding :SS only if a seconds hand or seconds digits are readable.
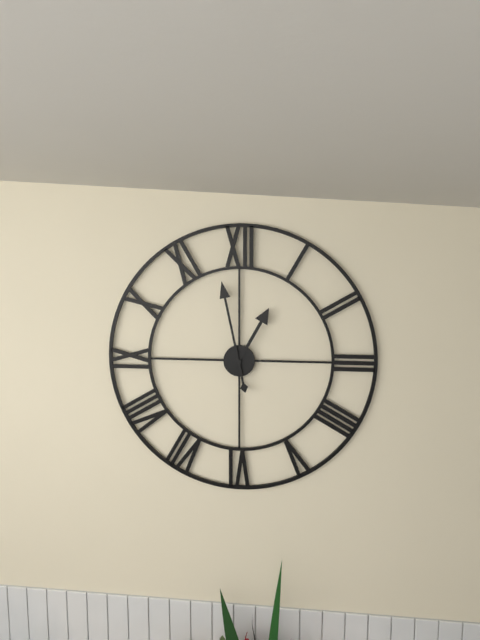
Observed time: 12:58
